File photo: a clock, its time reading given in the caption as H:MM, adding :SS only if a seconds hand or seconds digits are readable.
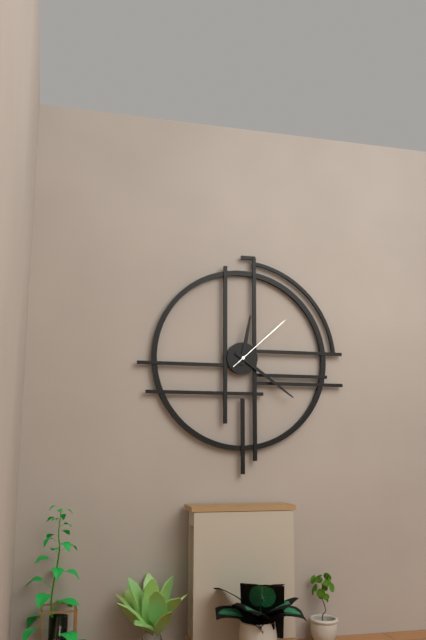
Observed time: 12:21:08
